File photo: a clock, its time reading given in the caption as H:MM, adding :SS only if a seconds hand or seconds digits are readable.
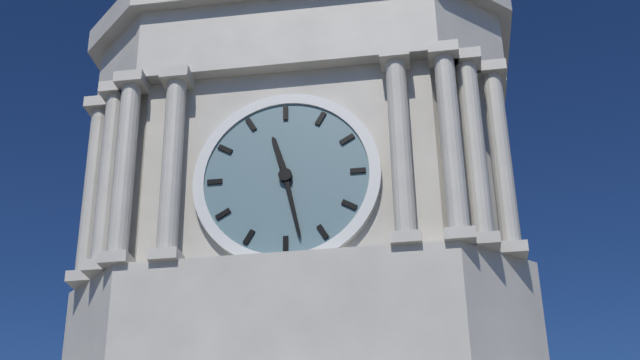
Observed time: 11:28
